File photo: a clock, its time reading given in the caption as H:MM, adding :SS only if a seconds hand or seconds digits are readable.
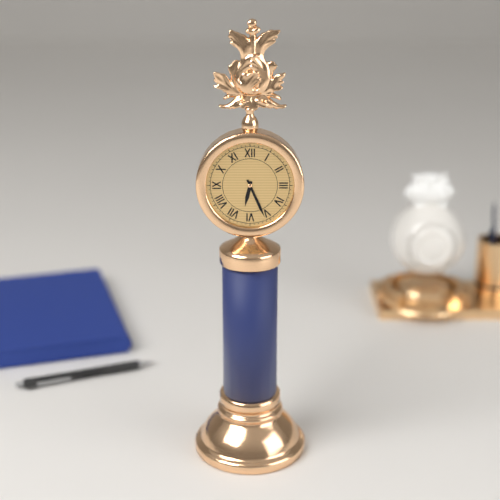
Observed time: 6:26
